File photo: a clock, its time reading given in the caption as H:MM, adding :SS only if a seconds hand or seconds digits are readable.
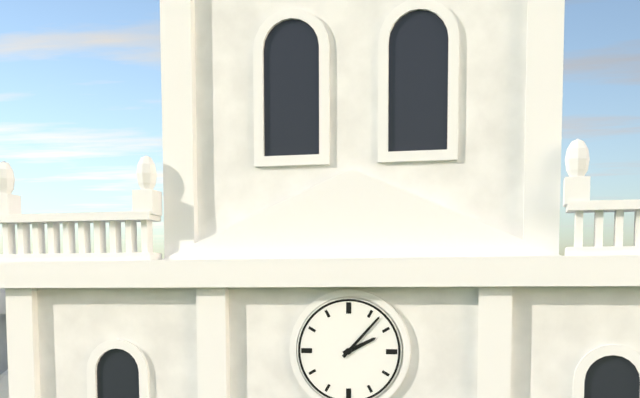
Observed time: 2:07
